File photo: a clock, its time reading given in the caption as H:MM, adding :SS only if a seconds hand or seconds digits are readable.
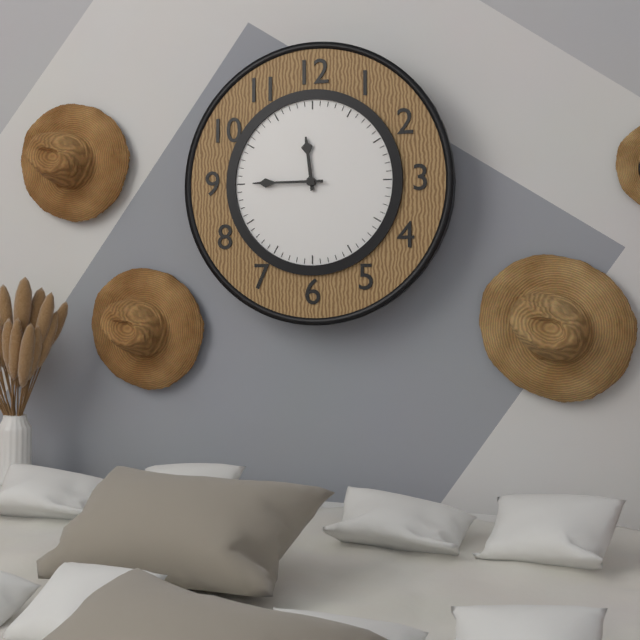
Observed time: 11:45
